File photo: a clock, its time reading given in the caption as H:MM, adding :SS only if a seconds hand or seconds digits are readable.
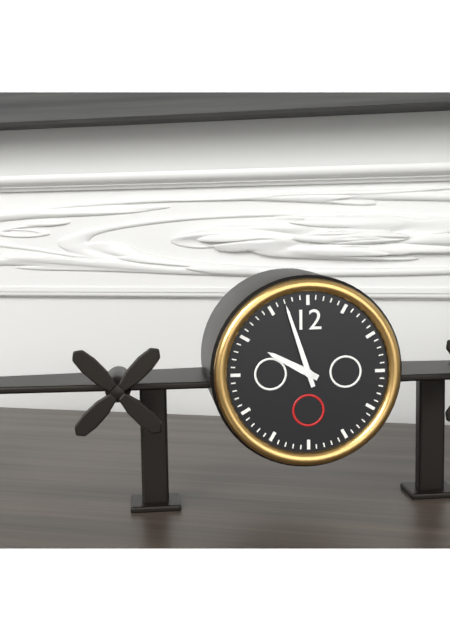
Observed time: 9:57
